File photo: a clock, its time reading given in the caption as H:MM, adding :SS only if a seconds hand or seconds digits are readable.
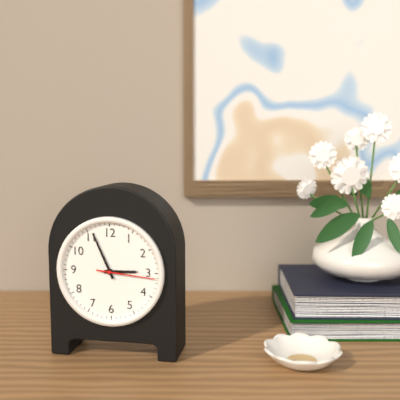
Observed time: 2:56
